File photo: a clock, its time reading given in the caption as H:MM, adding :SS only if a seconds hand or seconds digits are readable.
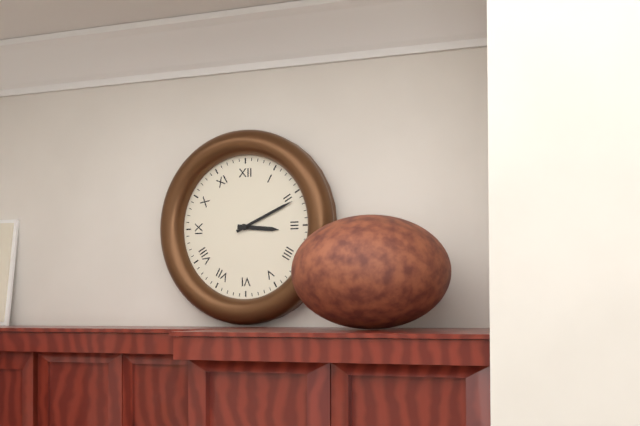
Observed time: 3:11
